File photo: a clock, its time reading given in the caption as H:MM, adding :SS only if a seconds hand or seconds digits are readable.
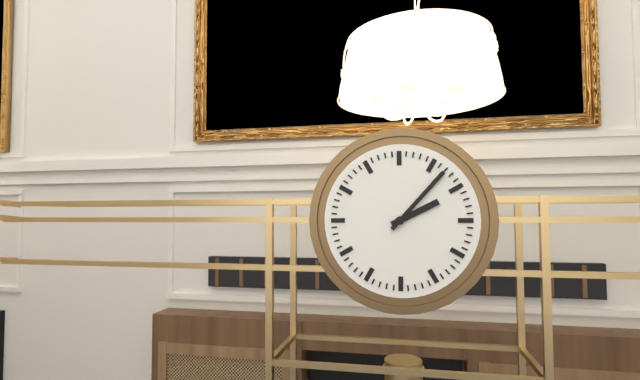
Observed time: 2:07
